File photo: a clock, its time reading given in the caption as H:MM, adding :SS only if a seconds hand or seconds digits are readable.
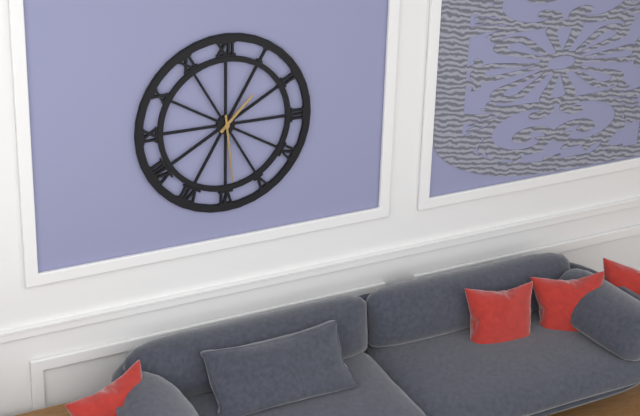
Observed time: 1:29
